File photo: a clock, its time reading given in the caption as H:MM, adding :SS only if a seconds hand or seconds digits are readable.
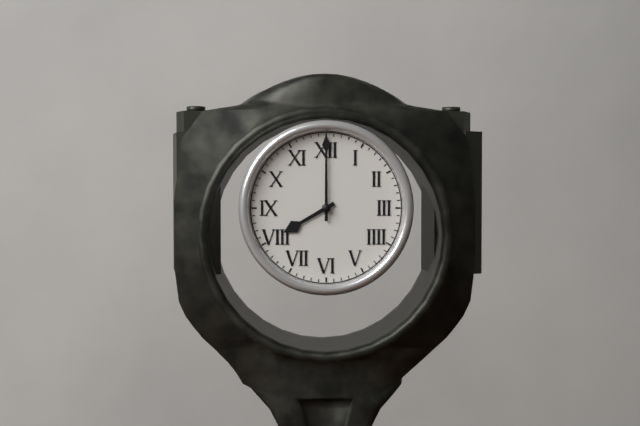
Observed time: 8:00
